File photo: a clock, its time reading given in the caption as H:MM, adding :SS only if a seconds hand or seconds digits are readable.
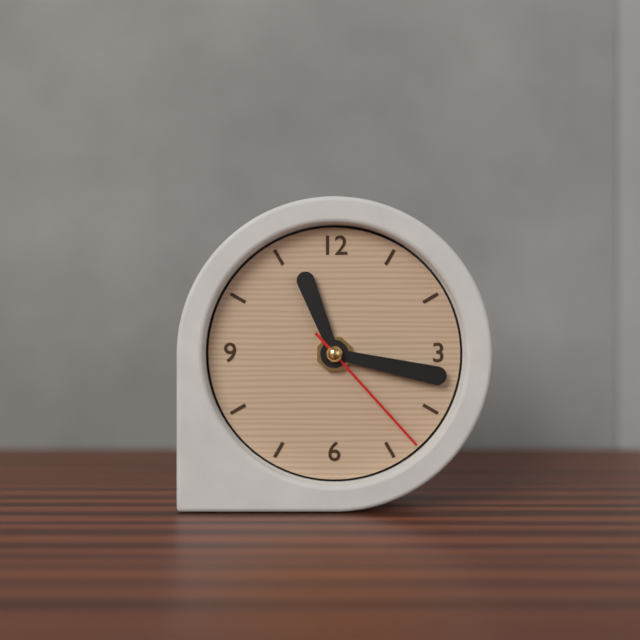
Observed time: 11:17:23
